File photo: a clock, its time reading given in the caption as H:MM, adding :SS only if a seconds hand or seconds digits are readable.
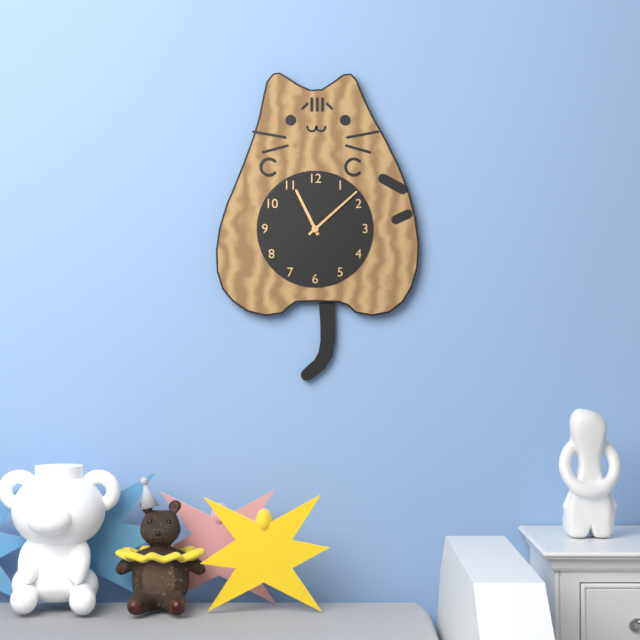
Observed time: 11:08
